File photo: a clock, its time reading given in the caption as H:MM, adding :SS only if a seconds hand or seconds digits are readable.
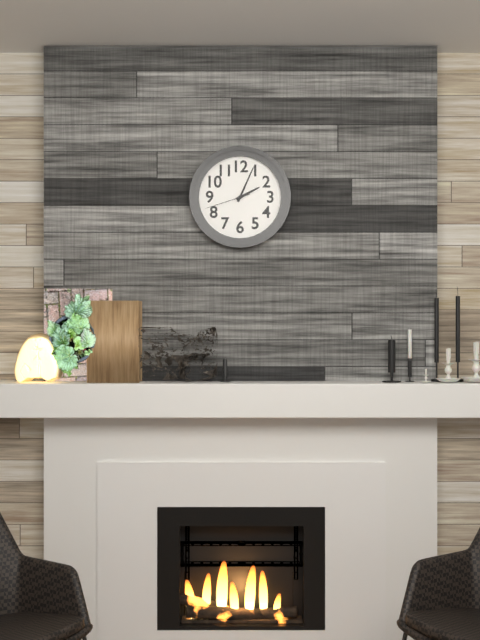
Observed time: 2:04
